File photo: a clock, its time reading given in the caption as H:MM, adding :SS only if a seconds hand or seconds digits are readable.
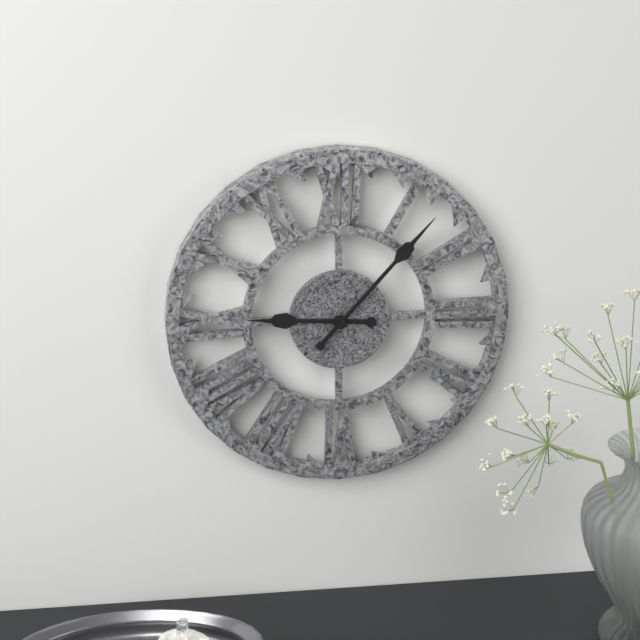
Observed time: 9:07
